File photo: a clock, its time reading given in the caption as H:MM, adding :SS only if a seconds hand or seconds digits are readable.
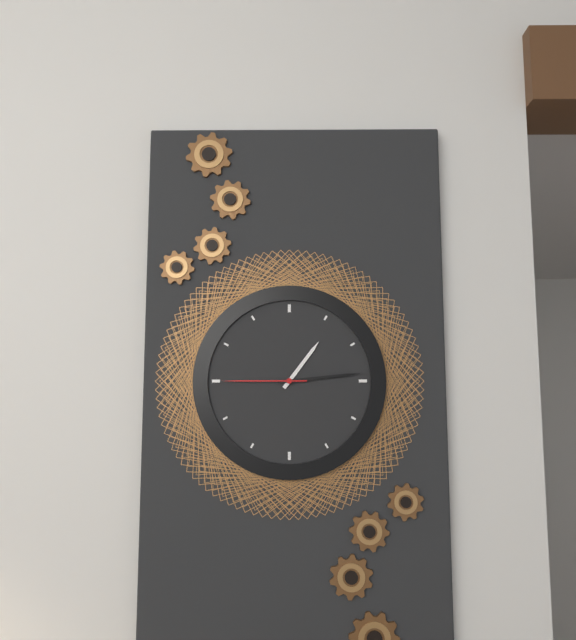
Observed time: 1:14:45
